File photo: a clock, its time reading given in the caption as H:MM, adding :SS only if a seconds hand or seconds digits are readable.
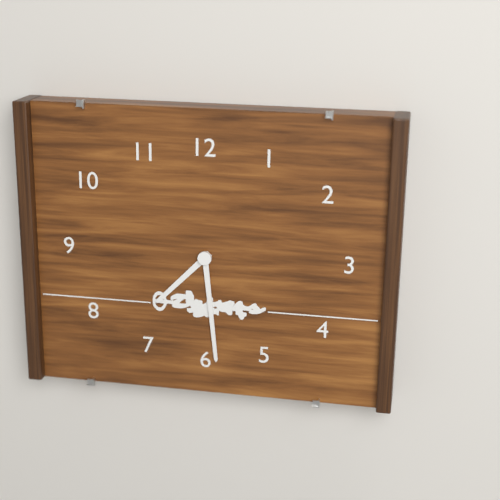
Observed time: 7:29
